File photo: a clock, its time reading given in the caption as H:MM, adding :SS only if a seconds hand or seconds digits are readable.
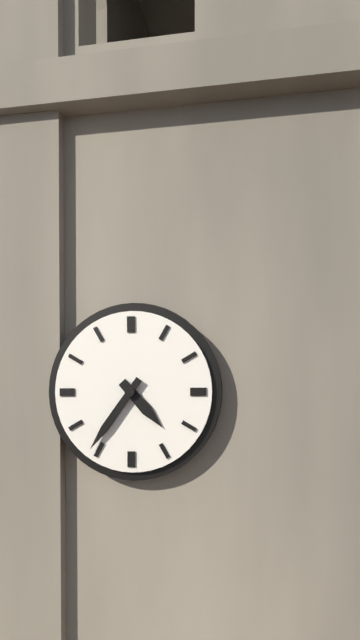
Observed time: 4:36
